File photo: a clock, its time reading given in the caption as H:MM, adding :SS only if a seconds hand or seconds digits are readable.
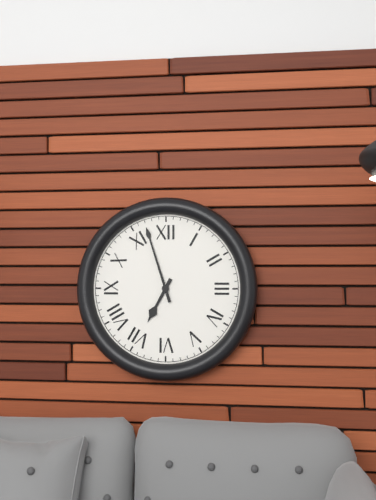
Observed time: 6:57
